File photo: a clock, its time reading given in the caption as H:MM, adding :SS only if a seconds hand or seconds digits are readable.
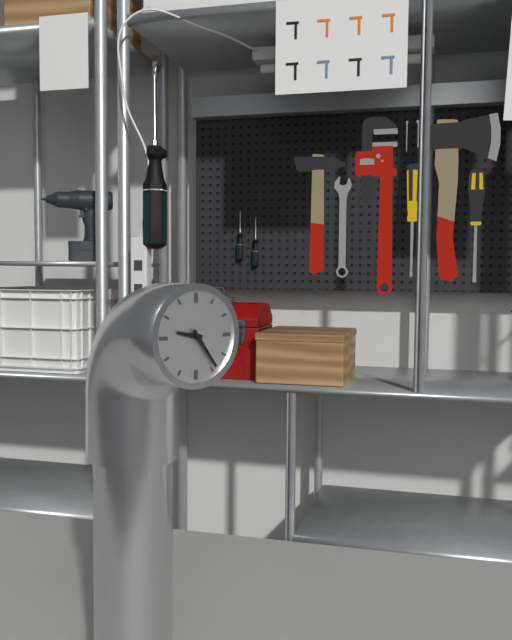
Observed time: 9:24
